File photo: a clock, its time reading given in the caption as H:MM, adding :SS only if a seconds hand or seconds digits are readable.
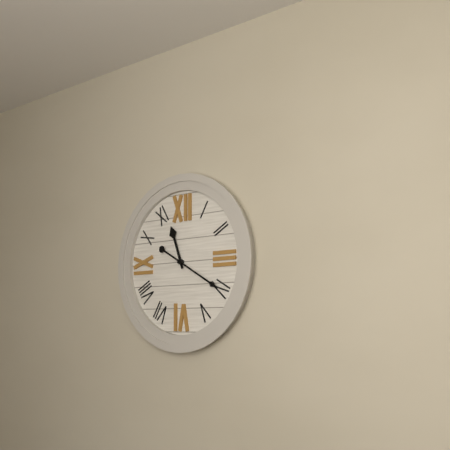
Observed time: 11:20
